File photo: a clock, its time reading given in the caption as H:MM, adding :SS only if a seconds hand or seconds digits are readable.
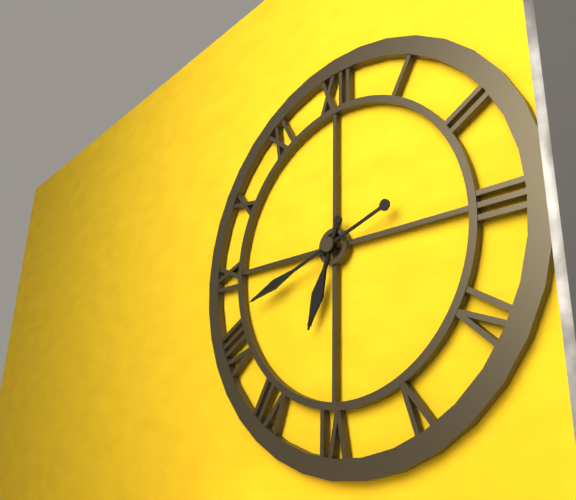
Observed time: 6:42
